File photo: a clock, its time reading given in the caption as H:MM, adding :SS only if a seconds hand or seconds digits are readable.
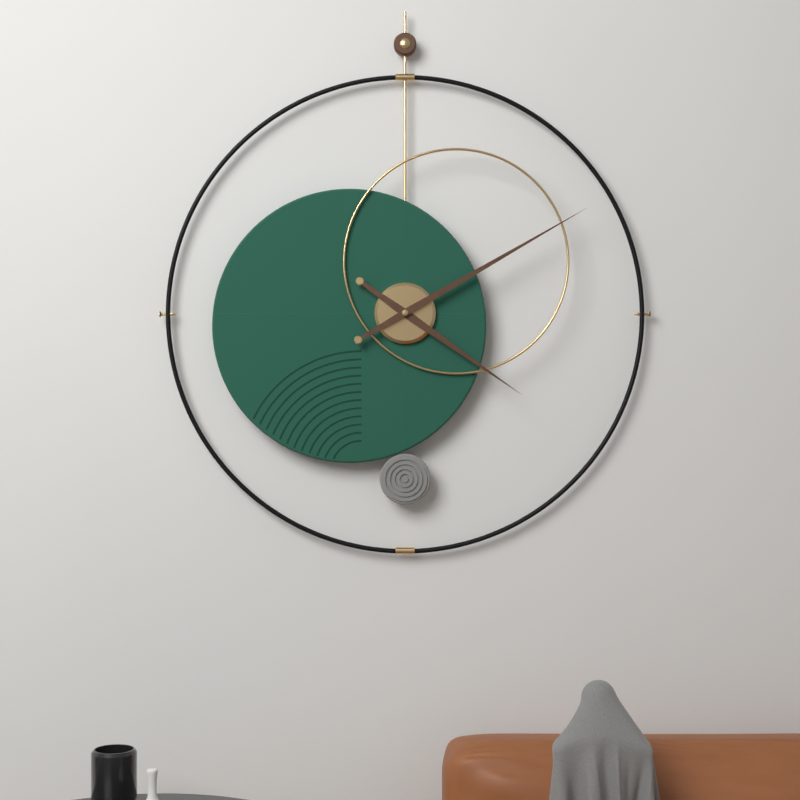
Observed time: 4:10
